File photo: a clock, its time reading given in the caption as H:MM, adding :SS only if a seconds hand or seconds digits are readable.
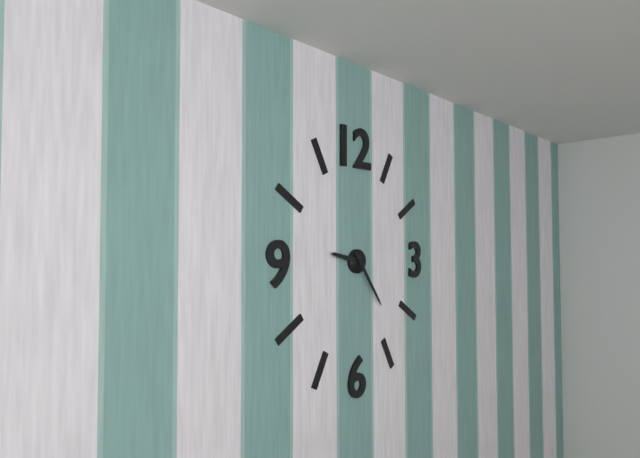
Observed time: 9:24
